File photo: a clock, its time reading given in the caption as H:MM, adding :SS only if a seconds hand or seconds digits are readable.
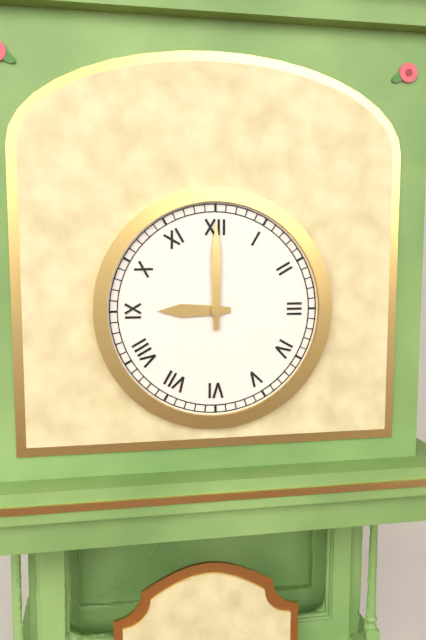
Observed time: 9:00
